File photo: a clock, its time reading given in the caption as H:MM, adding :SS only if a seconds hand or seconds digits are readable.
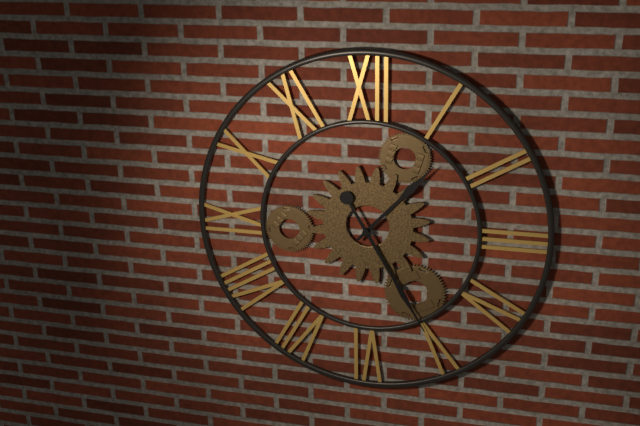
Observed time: 1:25
